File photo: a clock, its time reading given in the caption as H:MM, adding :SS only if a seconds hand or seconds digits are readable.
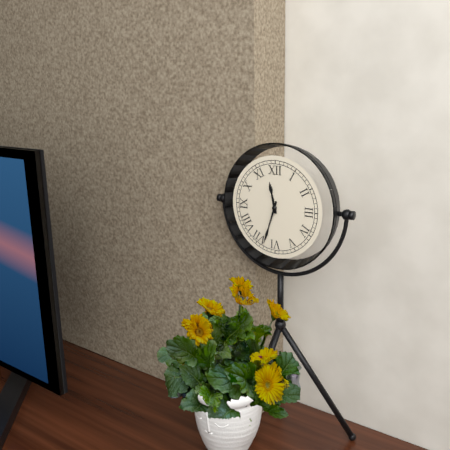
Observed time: 11:33
